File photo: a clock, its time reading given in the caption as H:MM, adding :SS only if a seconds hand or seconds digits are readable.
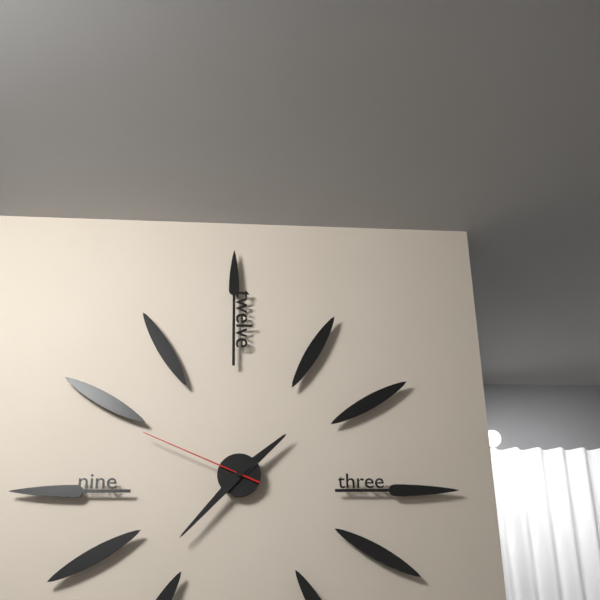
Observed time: 1:37:49
